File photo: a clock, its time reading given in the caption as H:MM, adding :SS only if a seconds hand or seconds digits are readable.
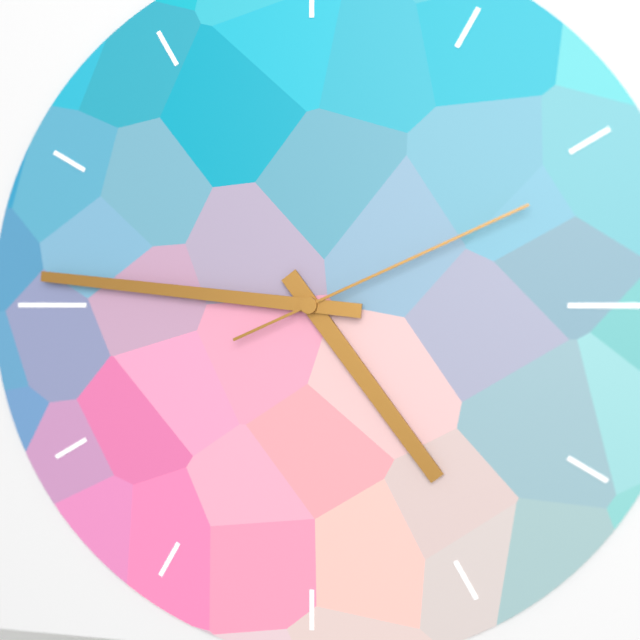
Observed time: 4:46:11
